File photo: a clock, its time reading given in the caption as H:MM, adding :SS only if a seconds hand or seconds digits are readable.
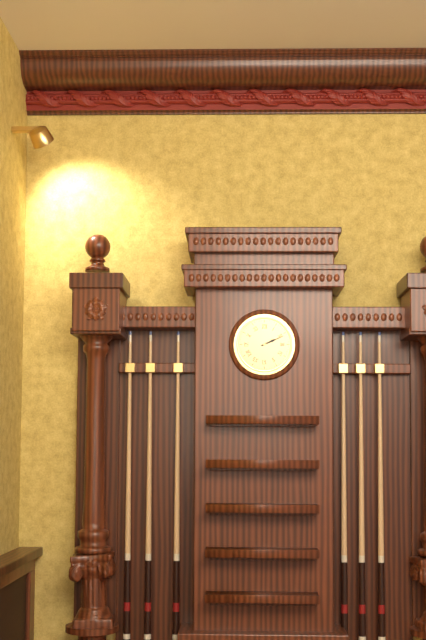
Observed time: 2:11
